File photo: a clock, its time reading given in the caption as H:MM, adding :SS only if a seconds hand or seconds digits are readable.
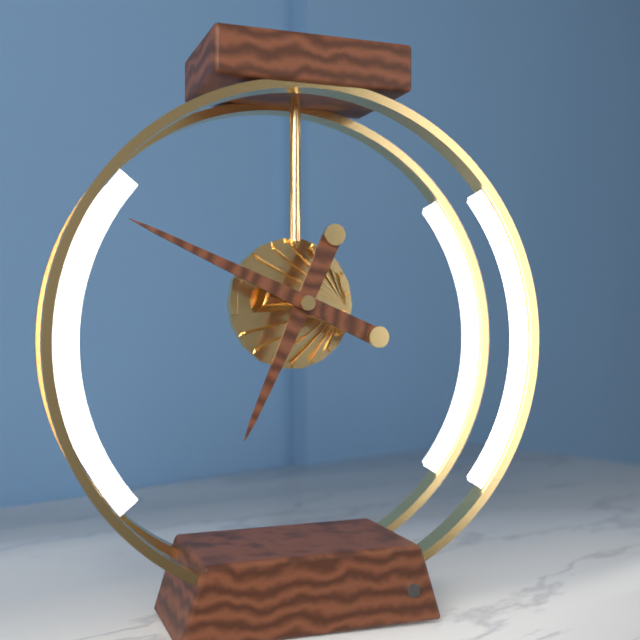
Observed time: 6:49
